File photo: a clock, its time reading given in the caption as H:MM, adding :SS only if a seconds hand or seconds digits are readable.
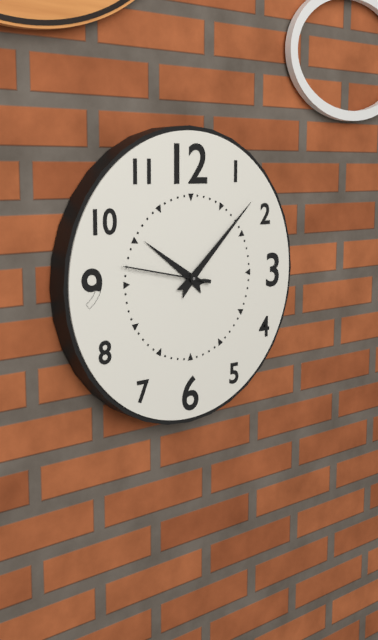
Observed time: 10:08:47
